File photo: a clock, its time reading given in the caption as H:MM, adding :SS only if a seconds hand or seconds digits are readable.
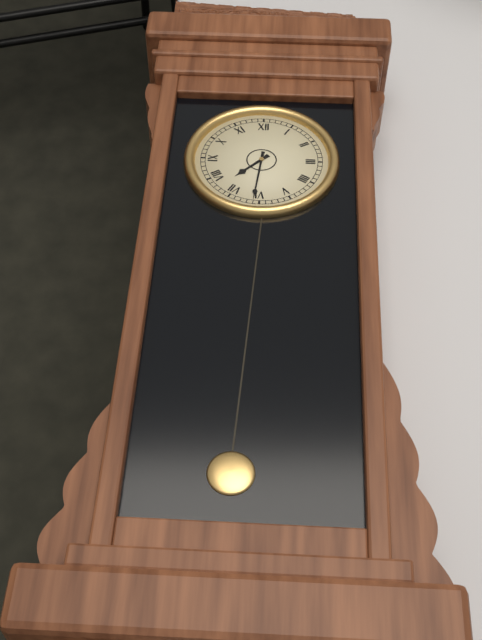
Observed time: 7:31
